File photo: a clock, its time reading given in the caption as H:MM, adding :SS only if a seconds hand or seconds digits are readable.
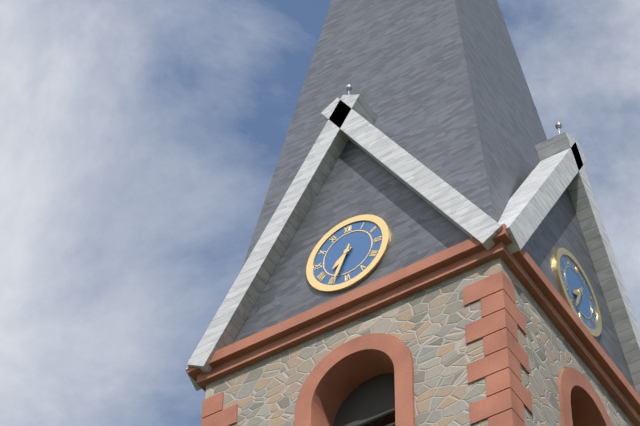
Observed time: 7:34
